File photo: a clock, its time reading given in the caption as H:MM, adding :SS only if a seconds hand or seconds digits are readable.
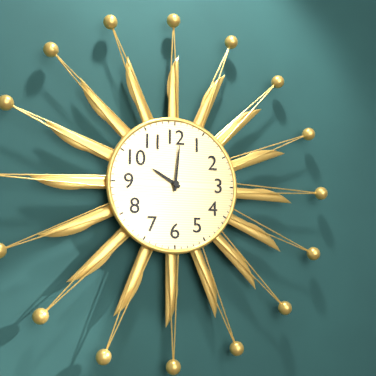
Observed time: 10:01
